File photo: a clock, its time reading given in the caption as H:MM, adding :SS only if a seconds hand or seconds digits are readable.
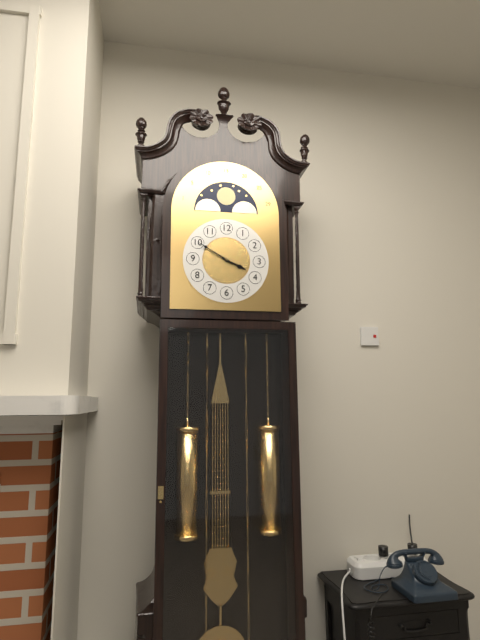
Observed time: 3:50
